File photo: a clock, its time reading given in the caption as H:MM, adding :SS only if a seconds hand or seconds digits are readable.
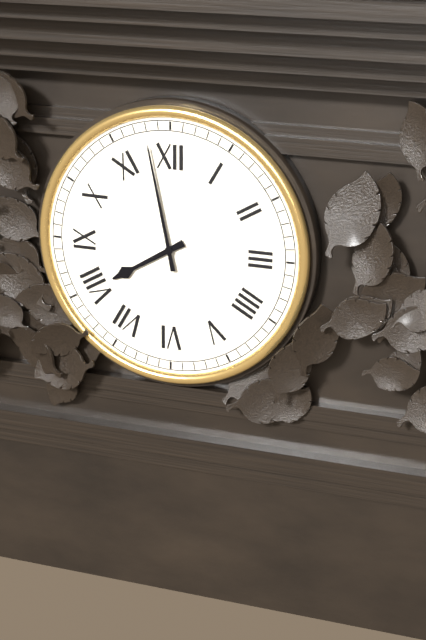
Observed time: 7:58
